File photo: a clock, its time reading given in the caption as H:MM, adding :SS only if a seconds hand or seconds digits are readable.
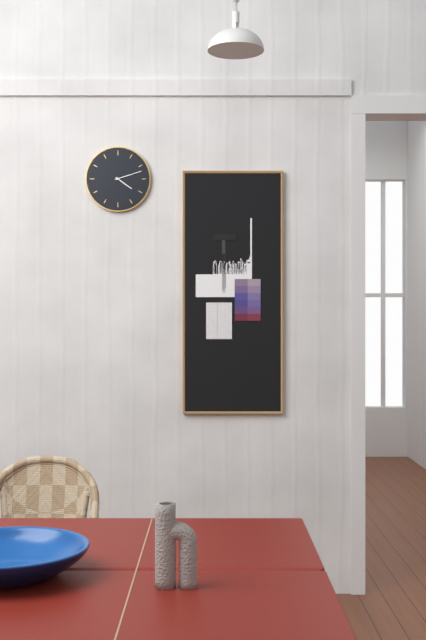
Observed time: 4:12
